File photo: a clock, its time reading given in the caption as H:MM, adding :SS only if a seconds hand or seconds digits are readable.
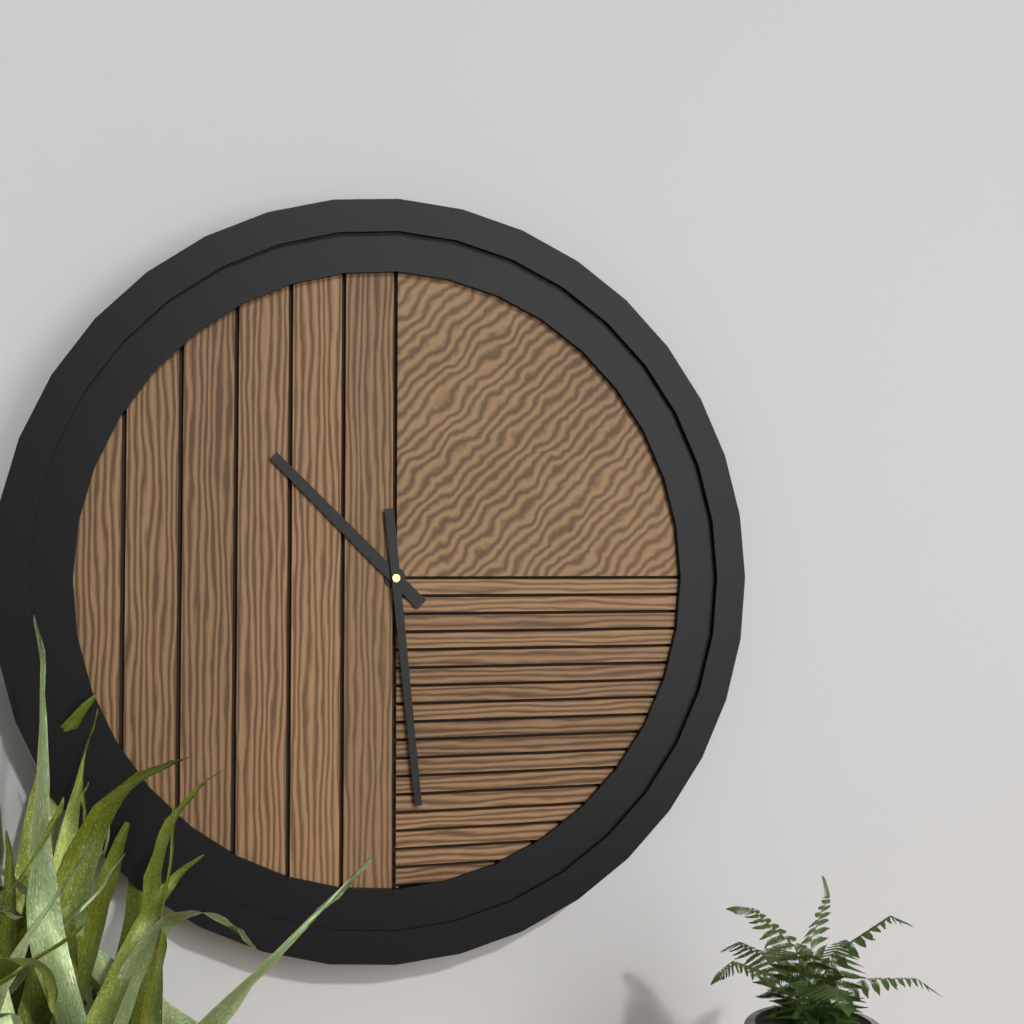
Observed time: 10:29
